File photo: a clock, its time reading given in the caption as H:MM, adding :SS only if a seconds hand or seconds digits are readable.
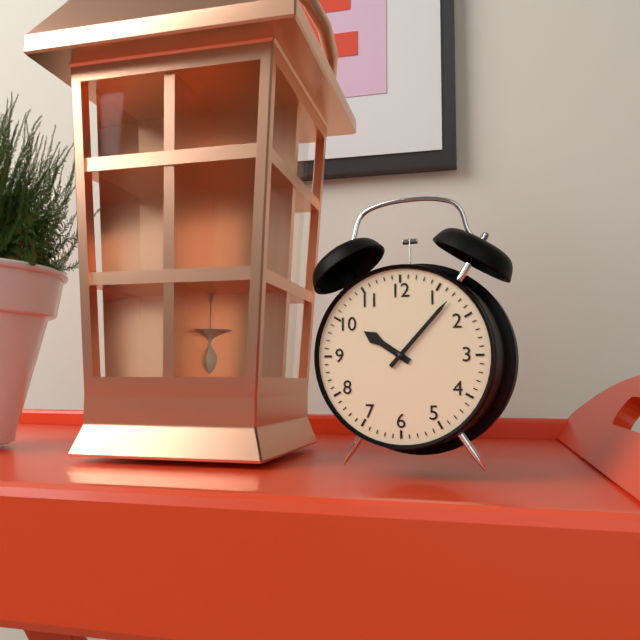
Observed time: 10:07
